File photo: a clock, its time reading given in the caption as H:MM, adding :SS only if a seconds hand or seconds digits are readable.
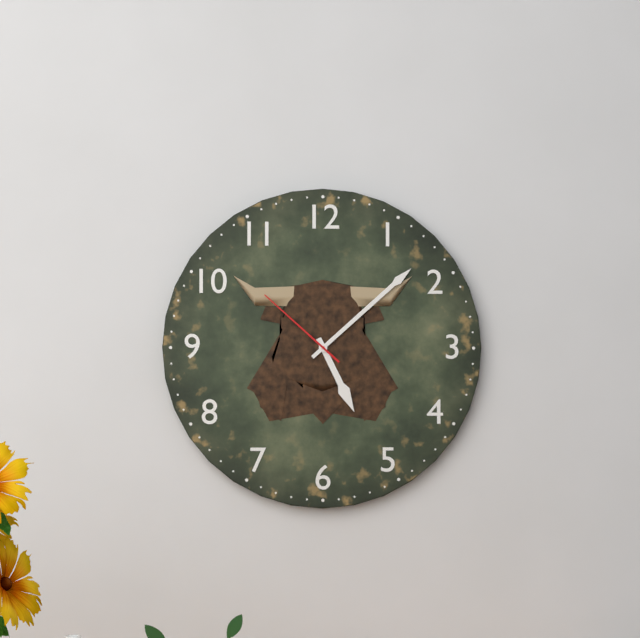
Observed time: 5:08:52
